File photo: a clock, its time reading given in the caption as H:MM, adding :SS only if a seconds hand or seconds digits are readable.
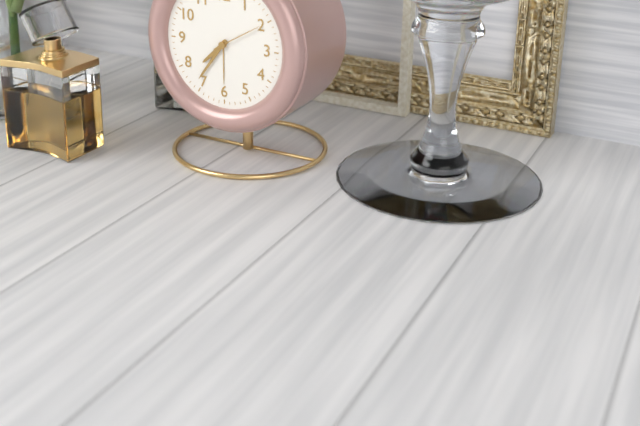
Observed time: 7:36
